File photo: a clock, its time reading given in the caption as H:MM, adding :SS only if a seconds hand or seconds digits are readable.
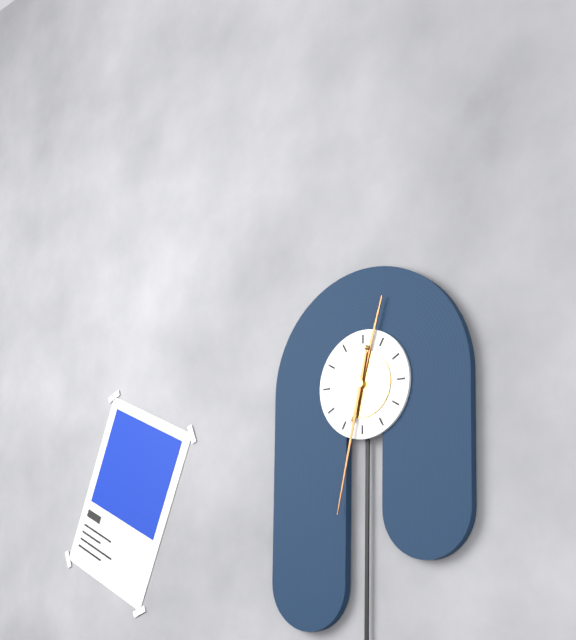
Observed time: 12:32
